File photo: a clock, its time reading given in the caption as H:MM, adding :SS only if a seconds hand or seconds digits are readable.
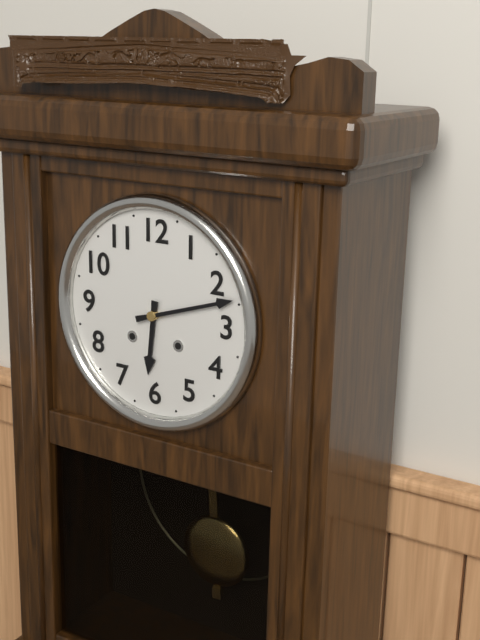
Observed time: 6:12
